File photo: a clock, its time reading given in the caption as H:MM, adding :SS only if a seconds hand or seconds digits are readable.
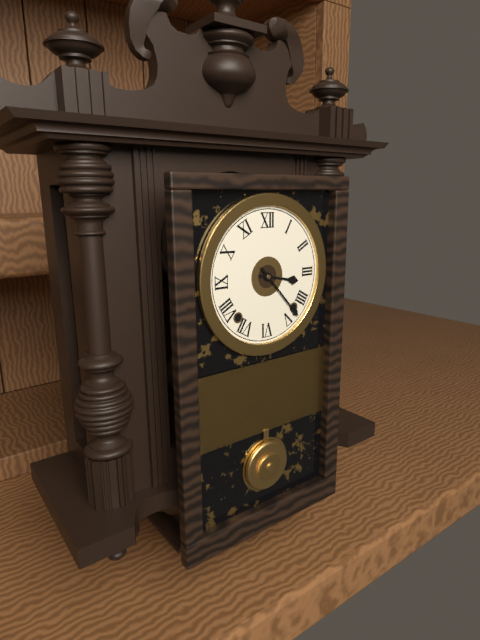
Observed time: 3:23
